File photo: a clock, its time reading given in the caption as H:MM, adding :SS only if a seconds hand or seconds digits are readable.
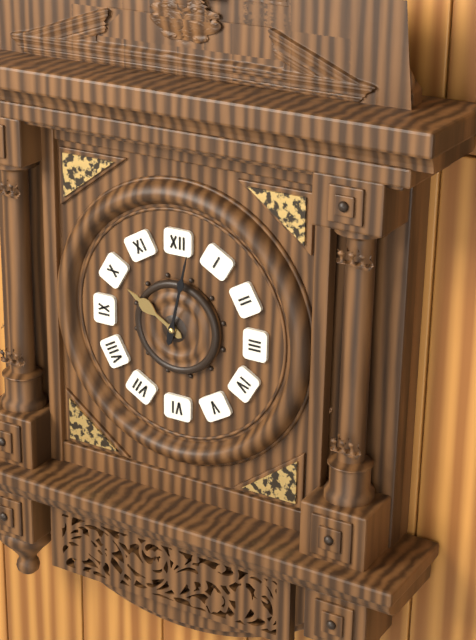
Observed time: 10:02
